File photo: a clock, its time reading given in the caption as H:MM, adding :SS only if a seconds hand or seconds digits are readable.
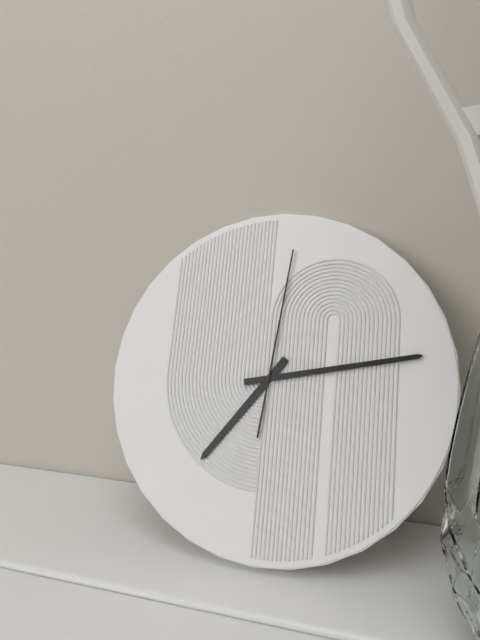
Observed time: 7:13:01
